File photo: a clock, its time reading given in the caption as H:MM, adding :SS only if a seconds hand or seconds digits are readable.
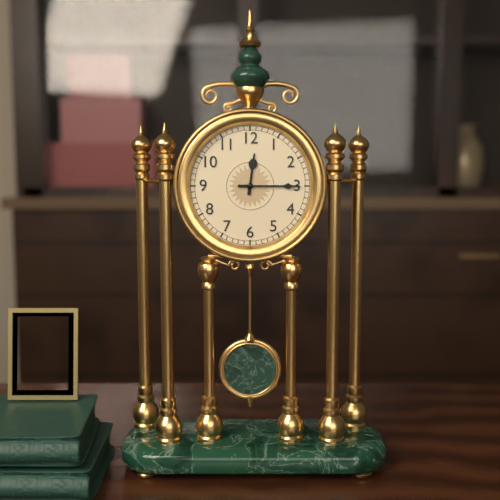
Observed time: 12:15
